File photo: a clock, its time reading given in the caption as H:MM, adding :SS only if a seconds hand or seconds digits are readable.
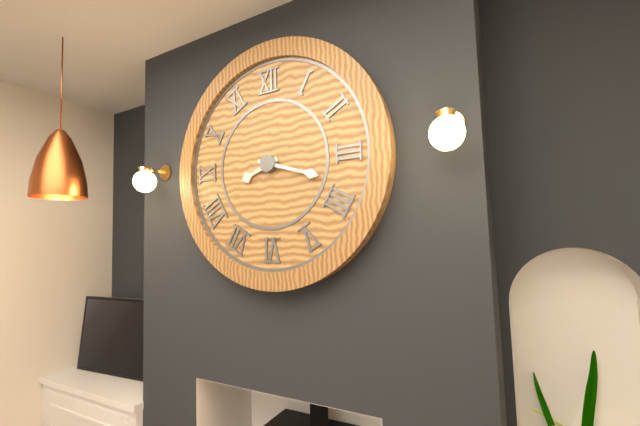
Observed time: 8:18
